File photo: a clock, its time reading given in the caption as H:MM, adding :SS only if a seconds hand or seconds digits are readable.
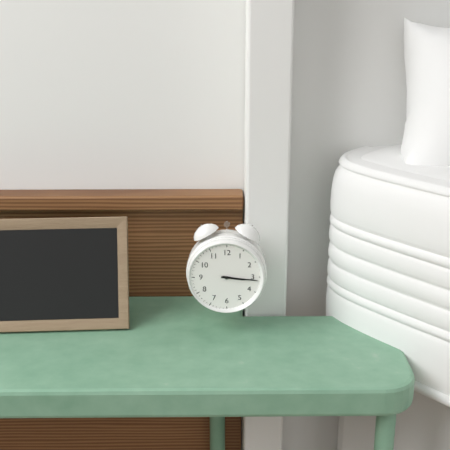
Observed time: 3:16
